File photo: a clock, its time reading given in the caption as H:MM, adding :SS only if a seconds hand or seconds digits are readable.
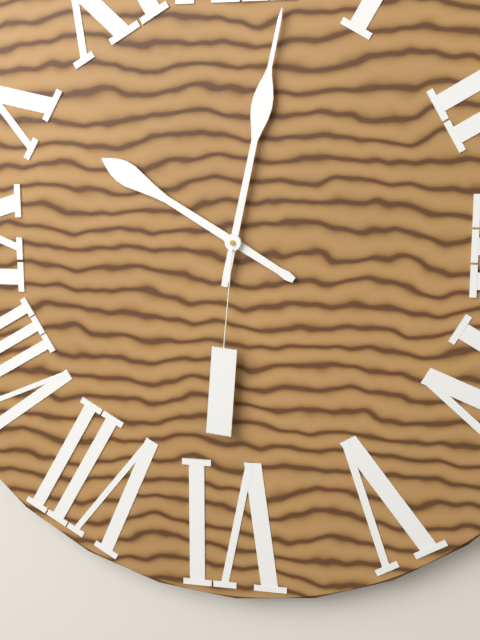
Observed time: 10:02
